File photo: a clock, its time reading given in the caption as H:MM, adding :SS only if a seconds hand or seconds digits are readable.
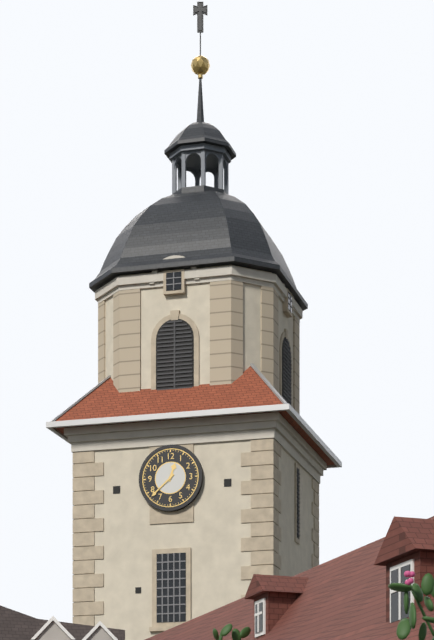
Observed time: 12:38
